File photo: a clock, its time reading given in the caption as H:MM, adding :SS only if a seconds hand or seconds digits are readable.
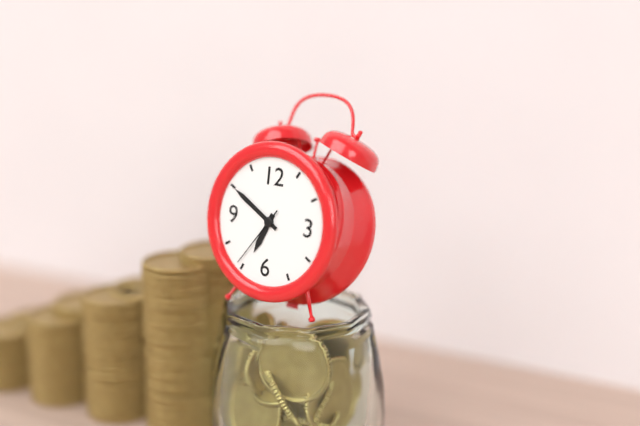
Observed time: 6:50:36
